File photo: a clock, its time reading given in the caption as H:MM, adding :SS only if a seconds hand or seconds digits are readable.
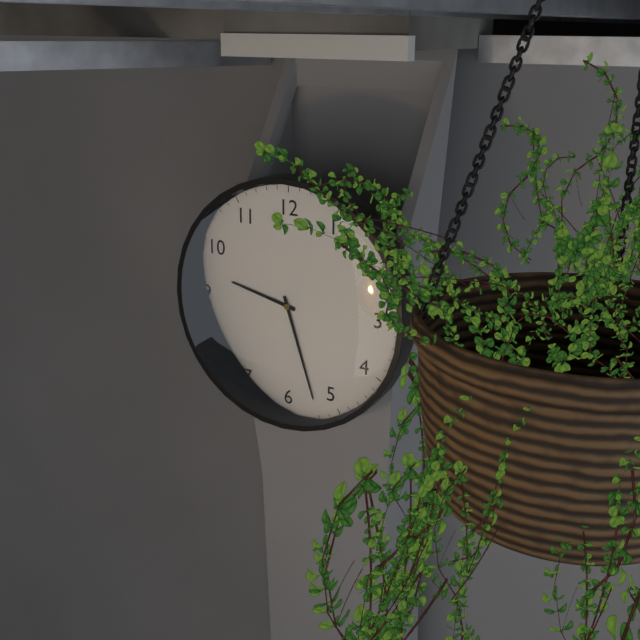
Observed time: 9:27
